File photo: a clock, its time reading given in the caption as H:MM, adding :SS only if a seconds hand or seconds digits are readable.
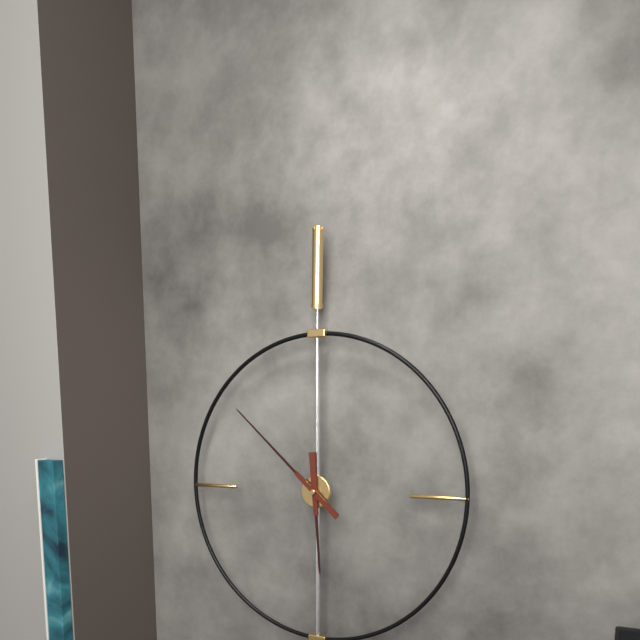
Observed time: 5:52
